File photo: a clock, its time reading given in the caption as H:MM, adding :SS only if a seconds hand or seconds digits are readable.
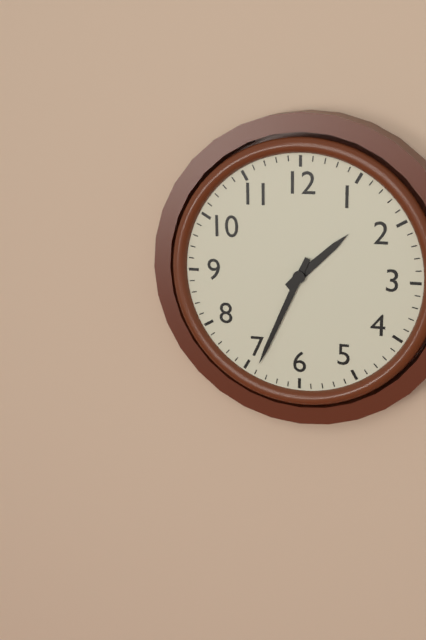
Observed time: 1:34
